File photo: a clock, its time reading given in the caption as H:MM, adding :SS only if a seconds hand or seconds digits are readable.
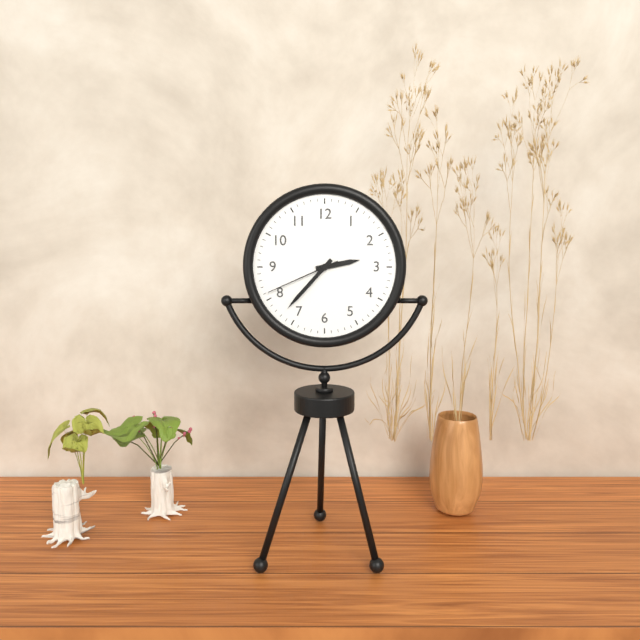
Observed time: 2:37:41
